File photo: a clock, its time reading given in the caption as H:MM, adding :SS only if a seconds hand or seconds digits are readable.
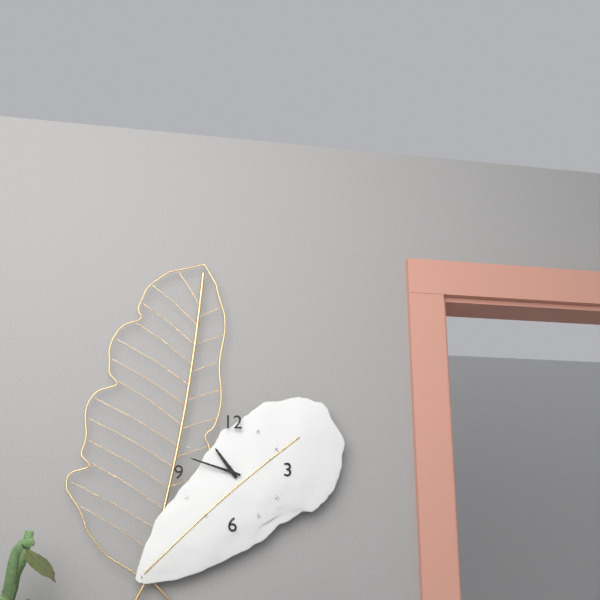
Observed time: 10:48
